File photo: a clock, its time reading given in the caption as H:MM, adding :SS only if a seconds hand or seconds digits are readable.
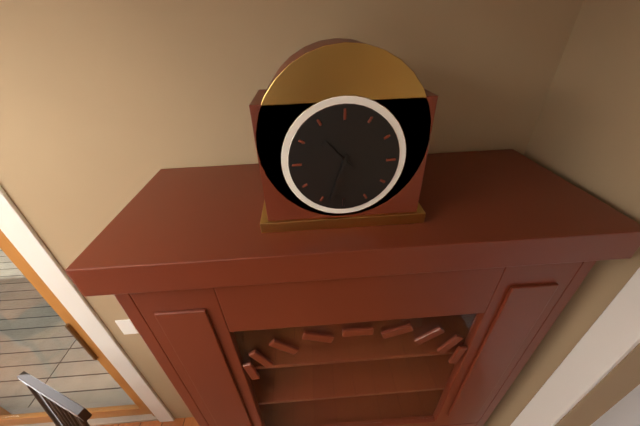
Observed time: 10:33
